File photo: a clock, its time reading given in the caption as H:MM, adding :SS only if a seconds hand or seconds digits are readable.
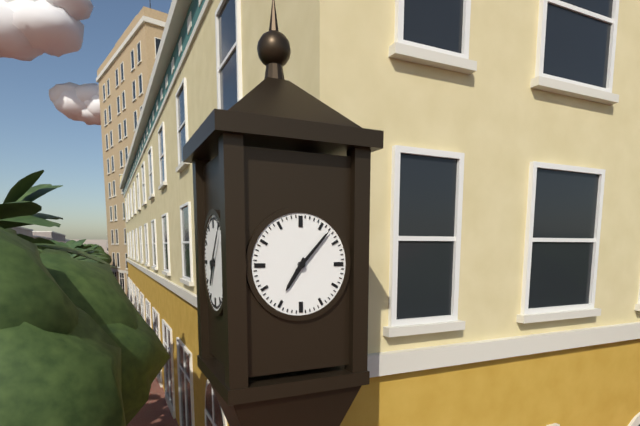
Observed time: 7:07
